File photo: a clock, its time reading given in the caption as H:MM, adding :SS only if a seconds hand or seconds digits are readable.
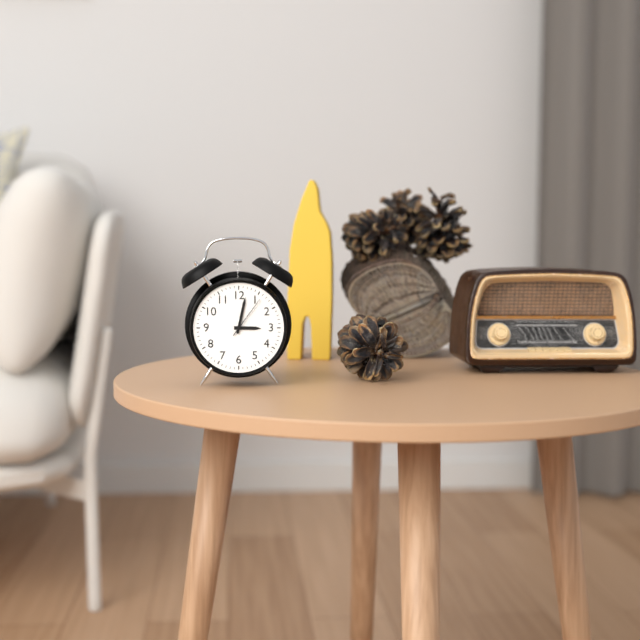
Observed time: 3:02
